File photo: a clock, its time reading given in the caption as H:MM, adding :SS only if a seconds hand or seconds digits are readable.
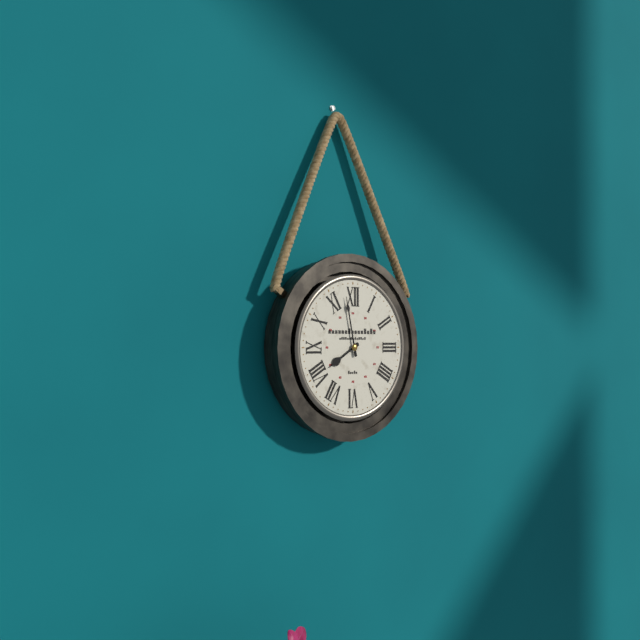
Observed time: 7:58
